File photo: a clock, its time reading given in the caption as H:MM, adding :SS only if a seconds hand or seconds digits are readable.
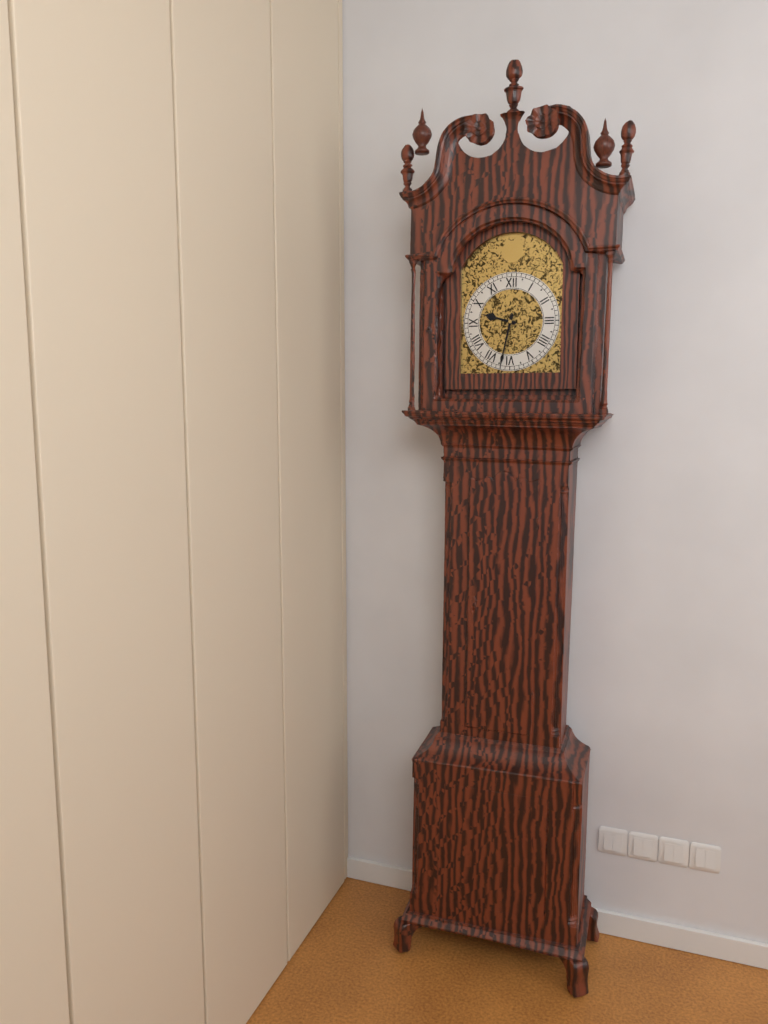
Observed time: 9:32
